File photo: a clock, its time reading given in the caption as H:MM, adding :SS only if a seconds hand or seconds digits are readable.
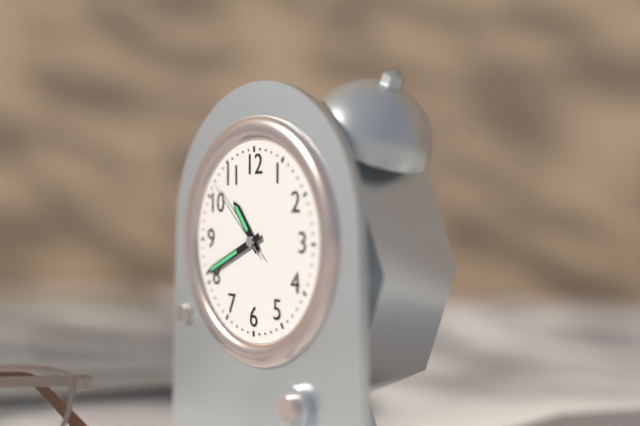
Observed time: 10:41:52
